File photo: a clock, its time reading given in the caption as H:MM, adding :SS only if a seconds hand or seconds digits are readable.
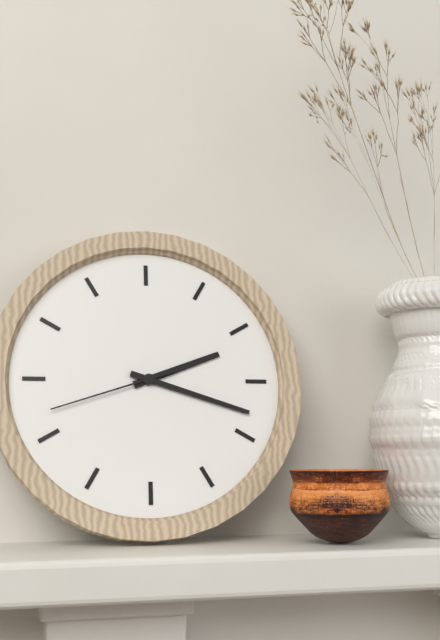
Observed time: 2:18:42
